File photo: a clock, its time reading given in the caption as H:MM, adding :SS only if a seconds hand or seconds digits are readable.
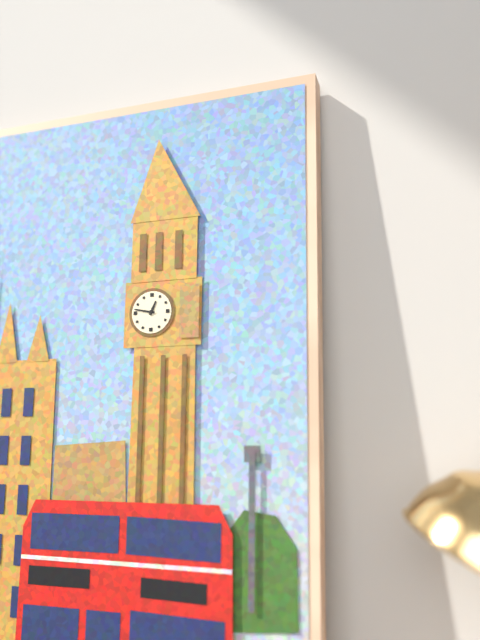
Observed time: 12:47
